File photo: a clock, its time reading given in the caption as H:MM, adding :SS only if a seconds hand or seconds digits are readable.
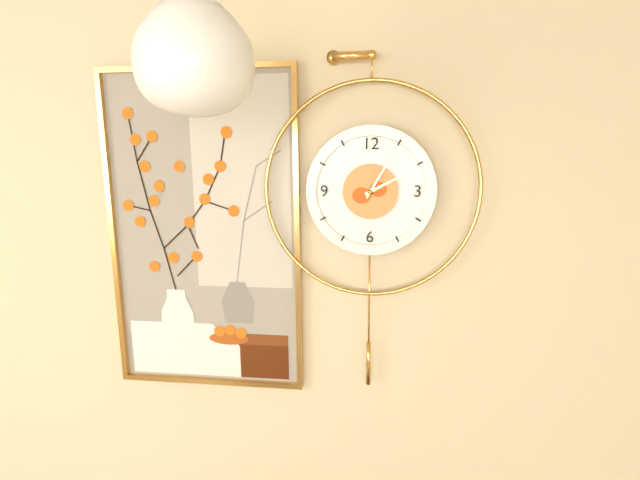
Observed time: 2:05
